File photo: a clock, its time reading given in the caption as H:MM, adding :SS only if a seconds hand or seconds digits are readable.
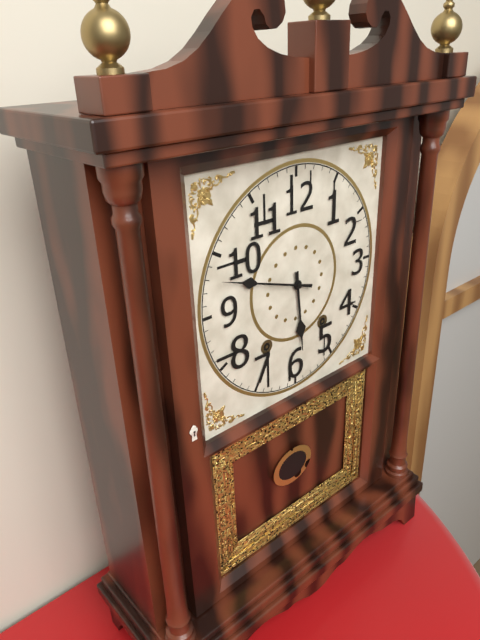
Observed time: 5:48
